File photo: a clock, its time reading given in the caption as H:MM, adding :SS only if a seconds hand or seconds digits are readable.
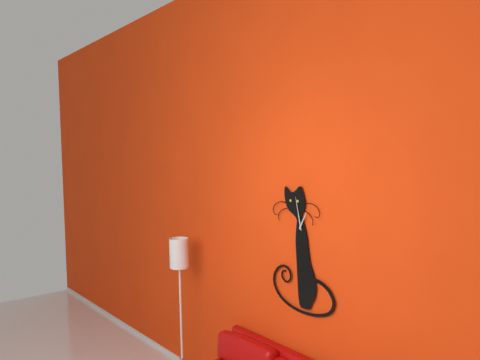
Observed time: 12:58
